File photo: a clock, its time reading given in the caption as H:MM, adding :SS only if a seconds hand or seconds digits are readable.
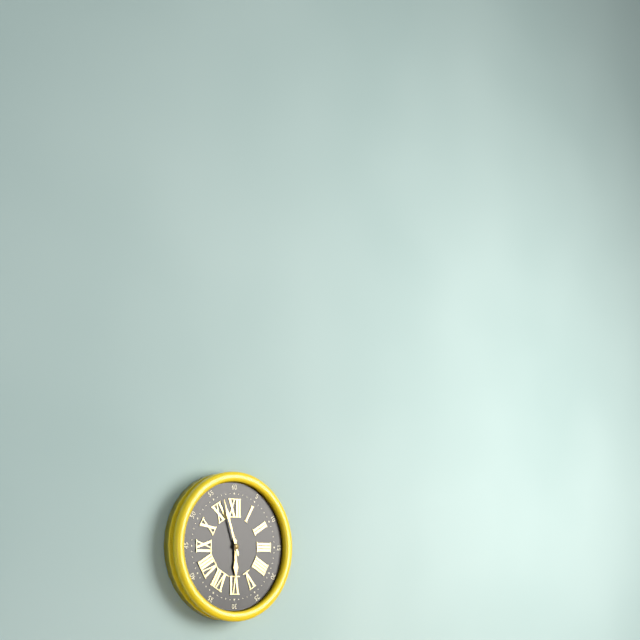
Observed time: 5:57
